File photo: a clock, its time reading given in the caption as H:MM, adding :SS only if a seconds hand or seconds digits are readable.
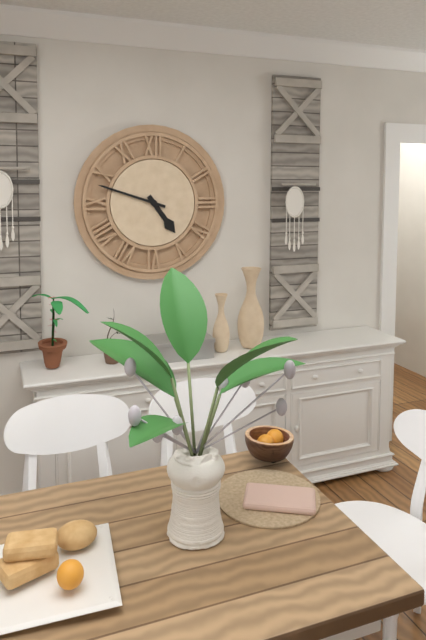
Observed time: 4:48
